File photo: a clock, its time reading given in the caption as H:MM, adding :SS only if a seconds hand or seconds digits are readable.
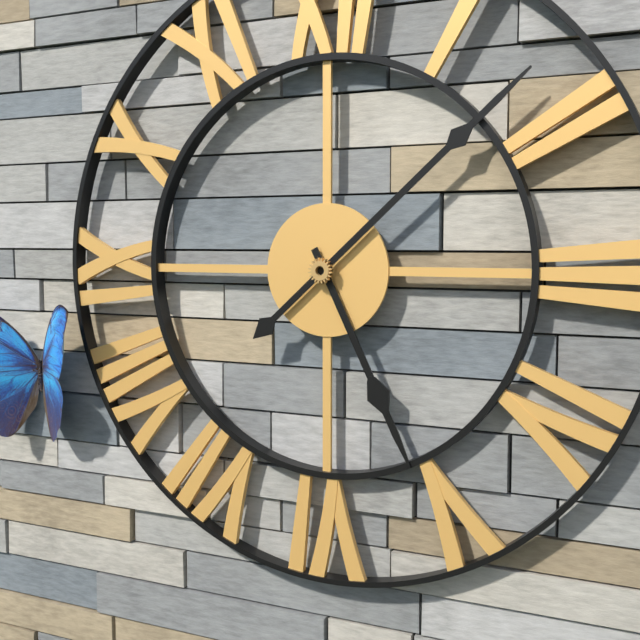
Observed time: 5:08
